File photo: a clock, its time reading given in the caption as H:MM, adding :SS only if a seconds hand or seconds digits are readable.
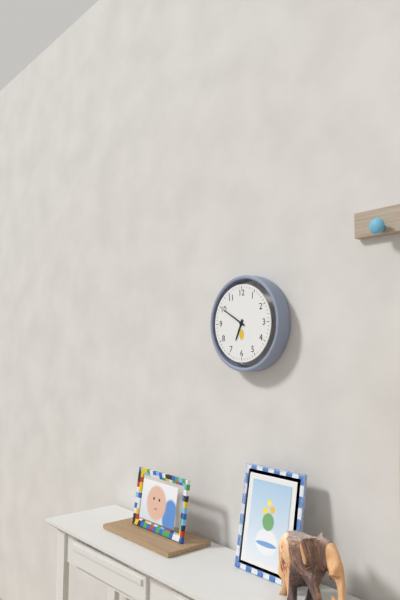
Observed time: 6:50
